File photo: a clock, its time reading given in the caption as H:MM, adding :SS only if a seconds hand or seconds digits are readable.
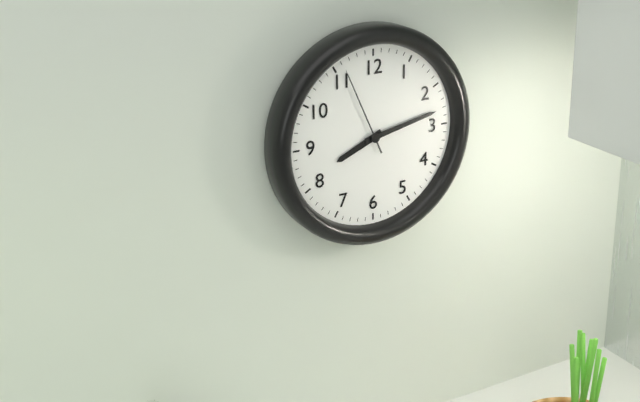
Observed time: 8:13:56
